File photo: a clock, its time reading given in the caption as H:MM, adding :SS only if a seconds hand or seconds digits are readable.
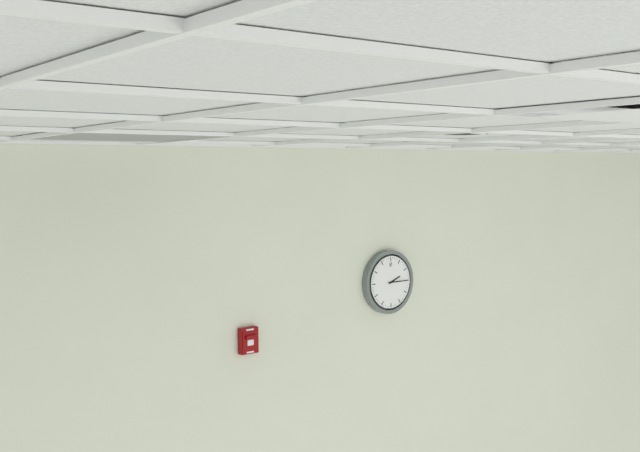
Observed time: 2:15
